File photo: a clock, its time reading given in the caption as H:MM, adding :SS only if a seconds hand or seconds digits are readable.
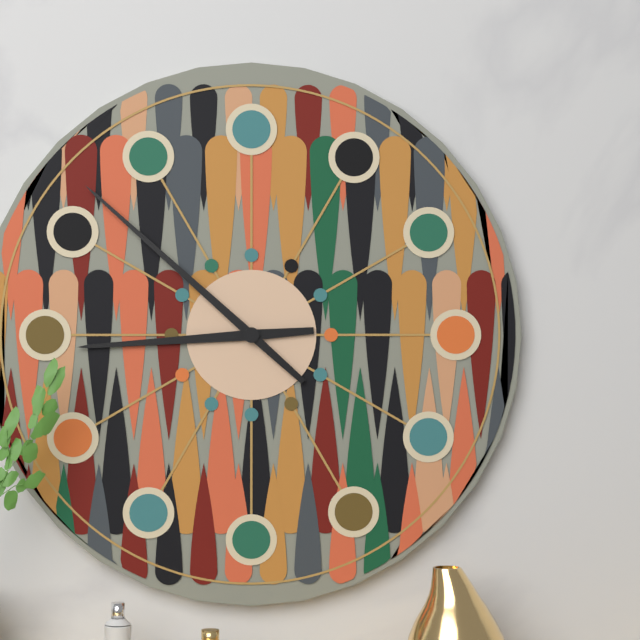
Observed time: 8:52
